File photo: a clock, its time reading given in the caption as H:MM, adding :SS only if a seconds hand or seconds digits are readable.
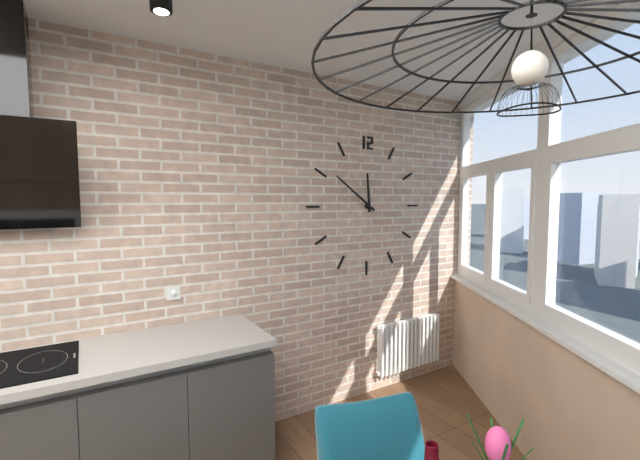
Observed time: 11:51
